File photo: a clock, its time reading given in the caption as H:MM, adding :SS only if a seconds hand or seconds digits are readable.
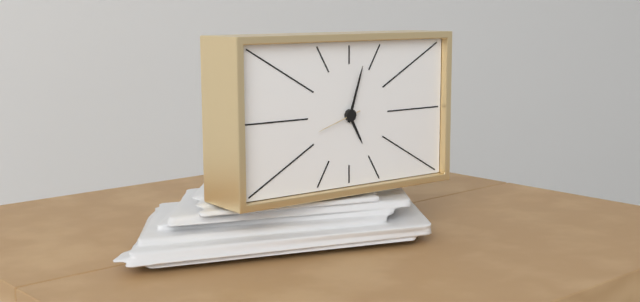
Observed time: 5:03:42
